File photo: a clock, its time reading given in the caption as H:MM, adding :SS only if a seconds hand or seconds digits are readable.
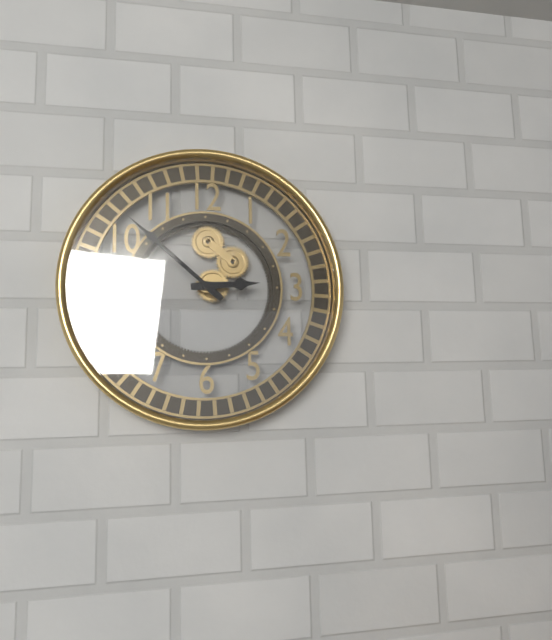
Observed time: 2:52
